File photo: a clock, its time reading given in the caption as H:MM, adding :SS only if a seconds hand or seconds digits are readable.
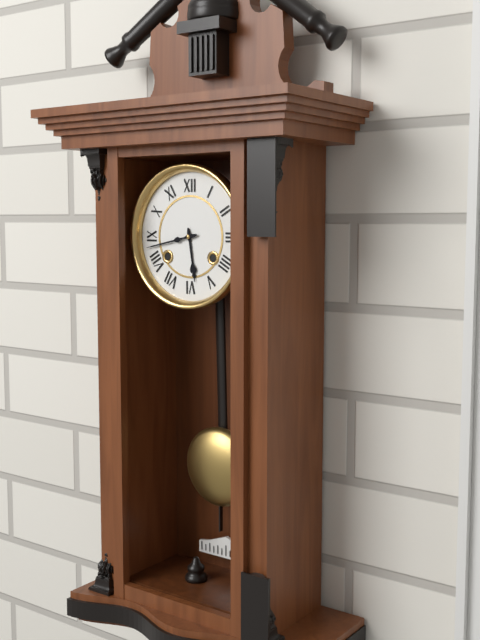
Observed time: 5:43
